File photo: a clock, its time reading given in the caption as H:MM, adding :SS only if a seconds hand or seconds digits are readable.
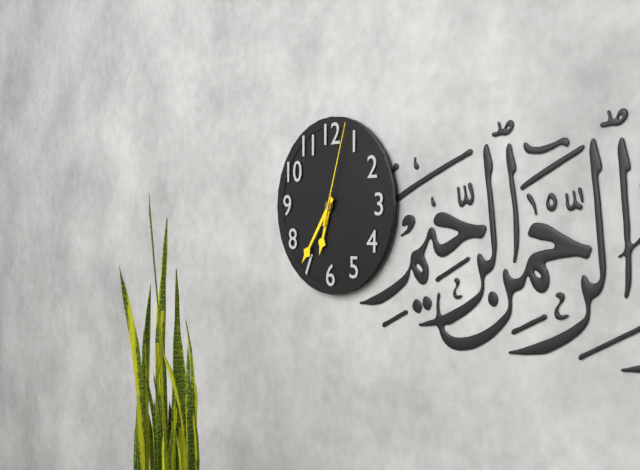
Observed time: 6:36:03
